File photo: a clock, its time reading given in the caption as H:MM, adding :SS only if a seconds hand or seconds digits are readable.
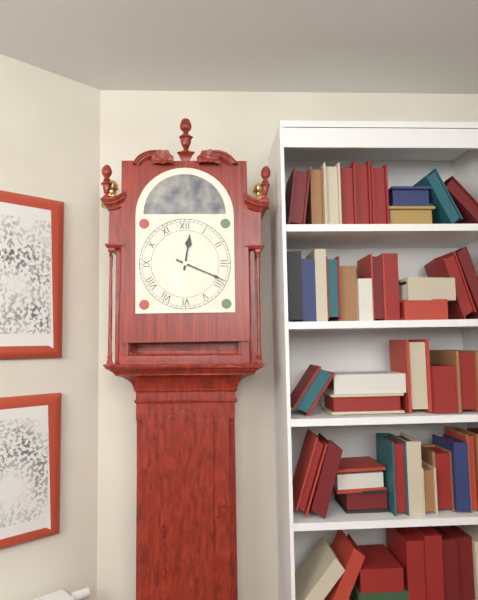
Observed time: 12:19
